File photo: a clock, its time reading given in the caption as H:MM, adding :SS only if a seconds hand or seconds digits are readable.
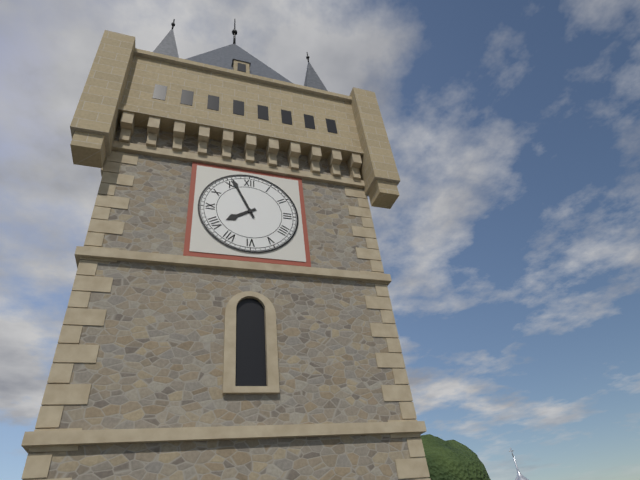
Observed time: 7:56
